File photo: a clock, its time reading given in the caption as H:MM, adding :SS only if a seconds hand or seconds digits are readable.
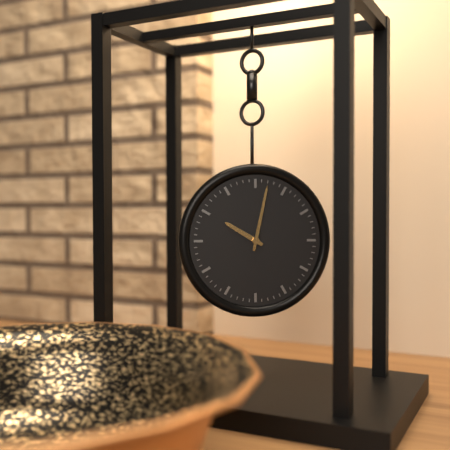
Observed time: 10:02
